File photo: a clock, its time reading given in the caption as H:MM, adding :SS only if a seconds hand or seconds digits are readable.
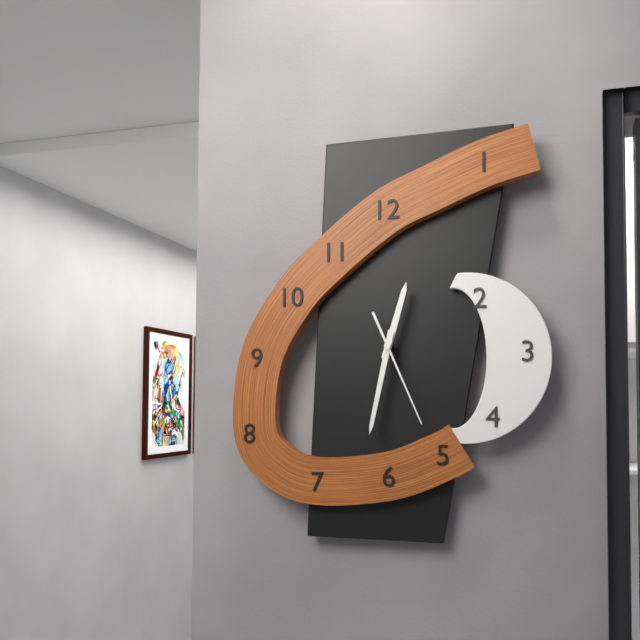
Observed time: 12:32:26
